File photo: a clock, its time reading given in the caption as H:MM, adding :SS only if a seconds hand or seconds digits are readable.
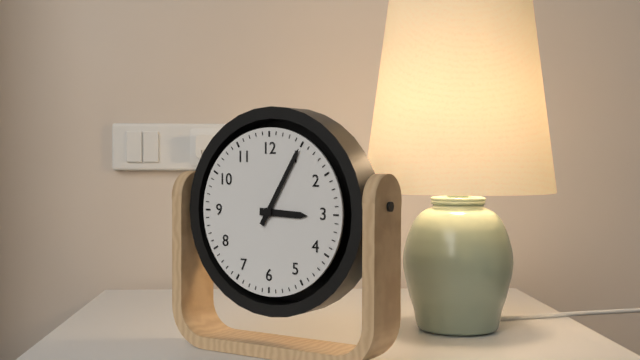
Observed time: 3:05
